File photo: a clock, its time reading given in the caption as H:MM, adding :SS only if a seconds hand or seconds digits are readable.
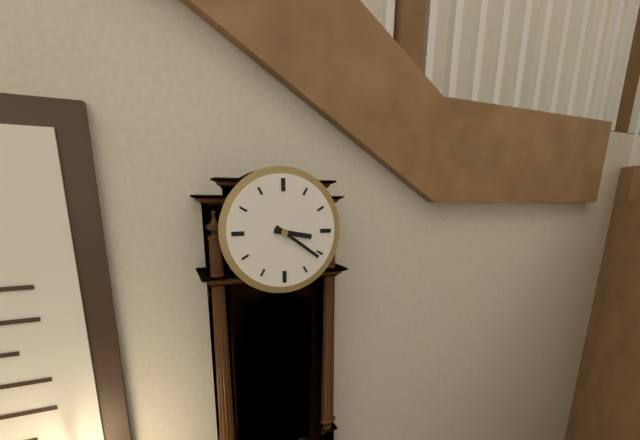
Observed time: 3:21
